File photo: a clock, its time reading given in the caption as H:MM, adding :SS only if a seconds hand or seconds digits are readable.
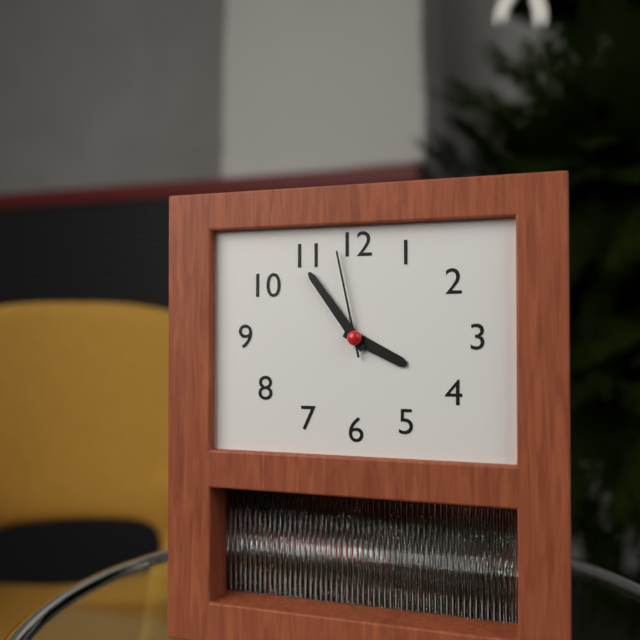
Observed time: 3:54:58
